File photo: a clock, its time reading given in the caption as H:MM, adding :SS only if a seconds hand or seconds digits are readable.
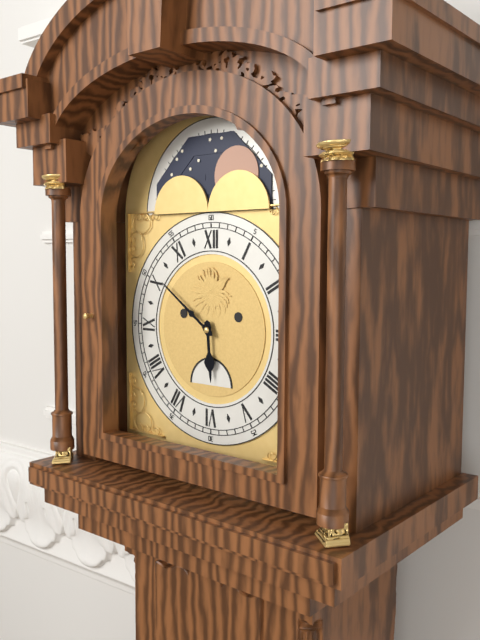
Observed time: 5:51
